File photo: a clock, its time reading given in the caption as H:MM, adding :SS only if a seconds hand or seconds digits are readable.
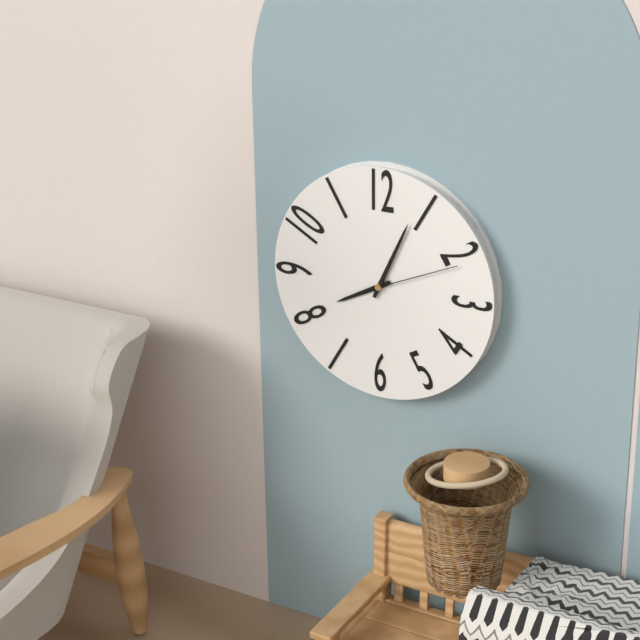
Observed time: 8:04:11
